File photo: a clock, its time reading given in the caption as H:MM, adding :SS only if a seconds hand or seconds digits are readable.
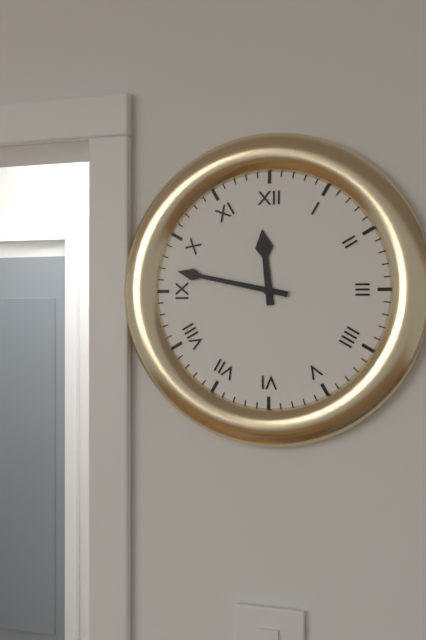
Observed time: 11:47
